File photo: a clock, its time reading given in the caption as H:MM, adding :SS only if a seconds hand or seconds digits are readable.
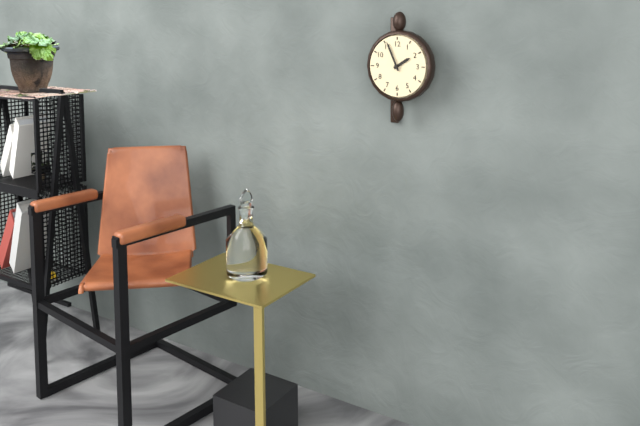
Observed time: 1:56
